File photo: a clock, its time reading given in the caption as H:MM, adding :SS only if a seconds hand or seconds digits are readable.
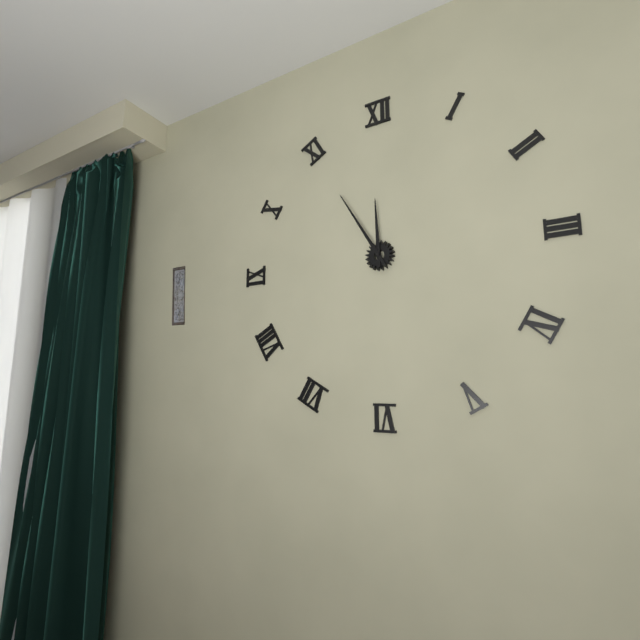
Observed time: 11:55
